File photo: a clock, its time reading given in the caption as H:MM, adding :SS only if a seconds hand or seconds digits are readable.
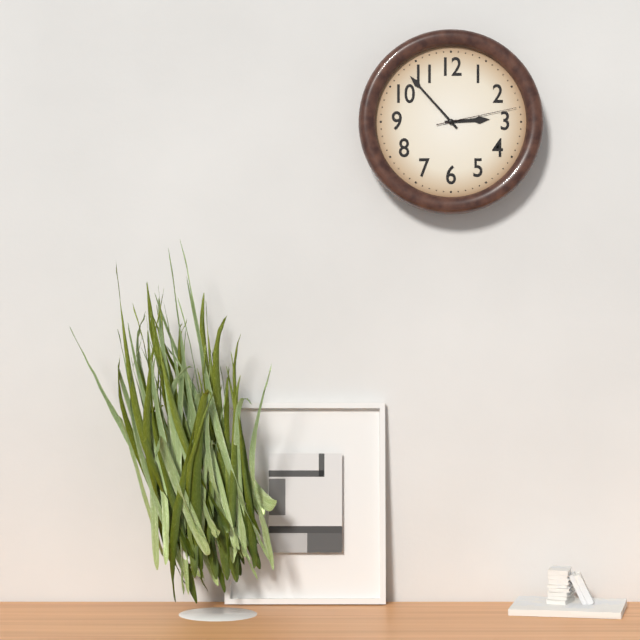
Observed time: 2:53:13
